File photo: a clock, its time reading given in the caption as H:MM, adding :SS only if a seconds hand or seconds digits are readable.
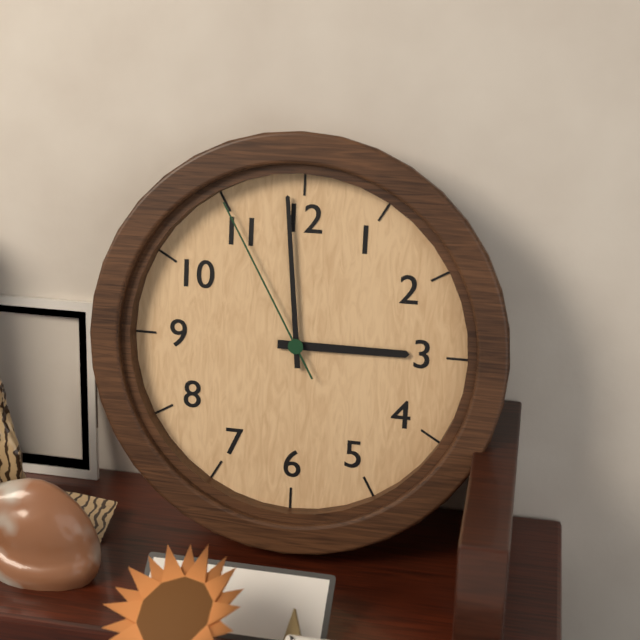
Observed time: 2:59:55
